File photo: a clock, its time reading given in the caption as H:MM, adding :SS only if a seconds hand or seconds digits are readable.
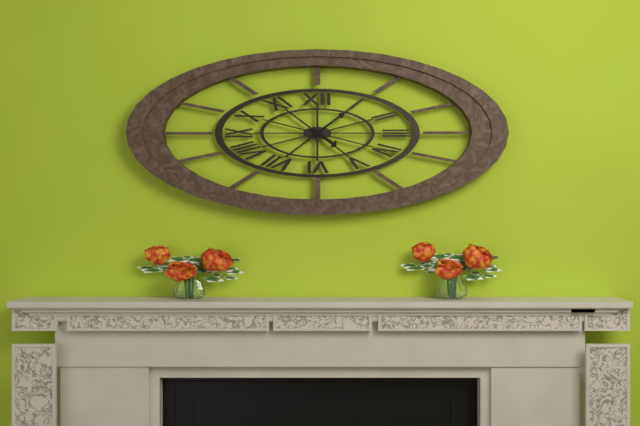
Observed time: 4:09
